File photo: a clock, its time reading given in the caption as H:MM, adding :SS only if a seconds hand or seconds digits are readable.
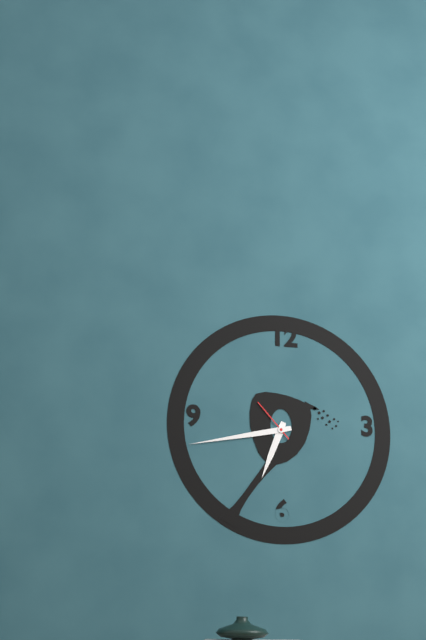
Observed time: 6:43
